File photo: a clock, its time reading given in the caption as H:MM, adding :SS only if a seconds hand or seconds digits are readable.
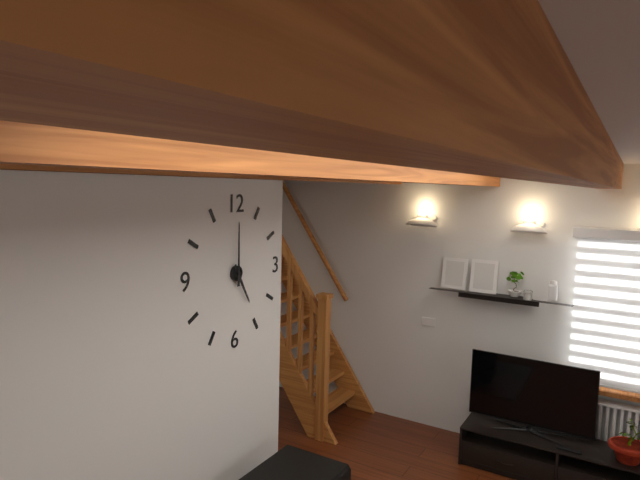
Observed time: 5:00
